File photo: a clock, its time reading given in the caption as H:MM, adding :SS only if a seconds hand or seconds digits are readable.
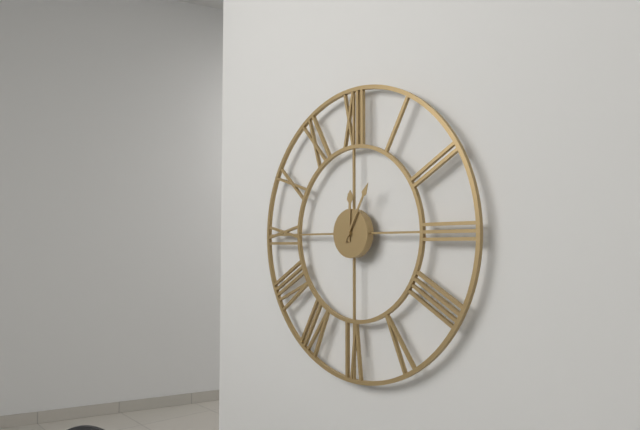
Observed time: 12:05
